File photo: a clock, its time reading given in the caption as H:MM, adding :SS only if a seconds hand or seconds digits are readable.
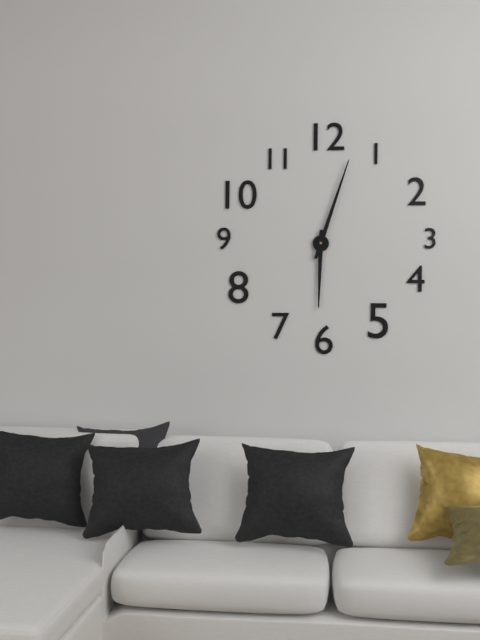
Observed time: 6:03
